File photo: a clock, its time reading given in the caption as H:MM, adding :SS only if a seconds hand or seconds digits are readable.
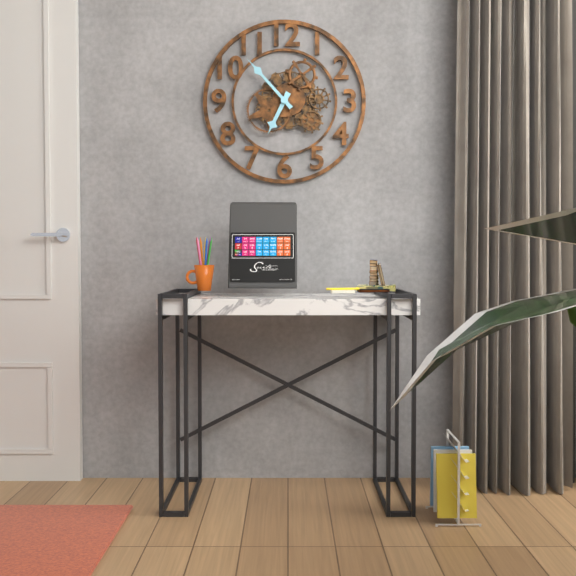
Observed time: 6:53
